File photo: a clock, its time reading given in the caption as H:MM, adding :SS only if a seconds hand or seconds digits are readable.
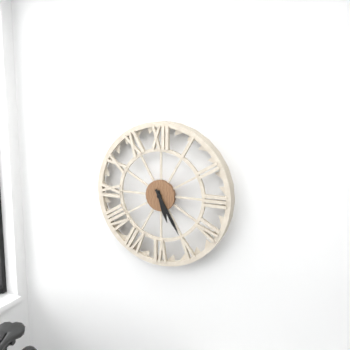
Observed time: 5:25
